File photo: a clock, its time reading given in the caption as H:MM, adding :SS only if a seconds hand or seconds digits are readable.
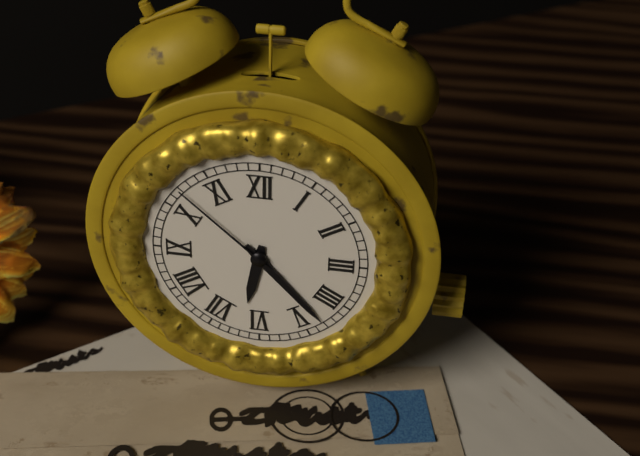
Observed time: 6:23:52
